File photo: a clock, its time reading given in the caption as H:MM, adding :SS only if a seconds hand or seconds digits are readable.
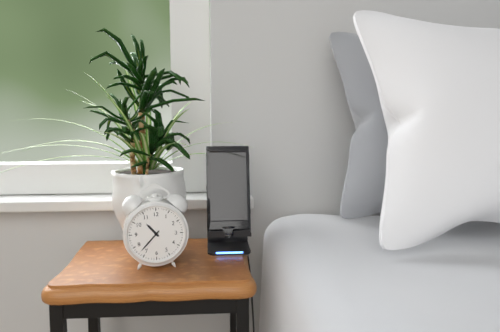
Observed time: 10:37
